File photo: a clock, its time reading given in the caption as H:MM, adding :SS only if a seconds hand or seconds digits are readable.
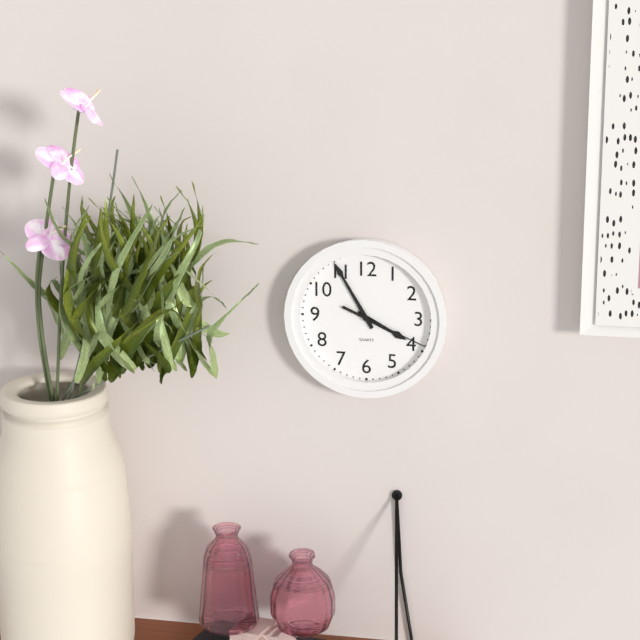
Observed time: 3:55:19
